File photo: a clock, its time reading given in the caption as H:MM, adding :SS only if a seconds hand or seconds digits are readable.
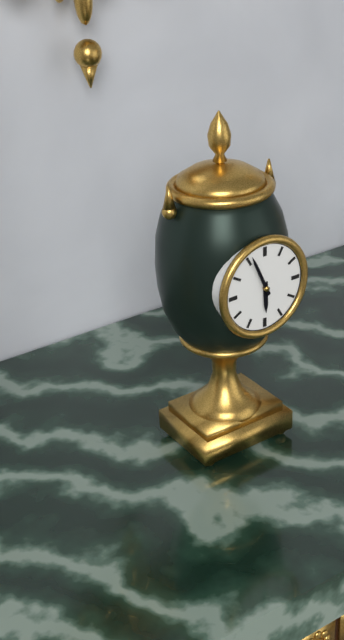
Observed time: 5:56
